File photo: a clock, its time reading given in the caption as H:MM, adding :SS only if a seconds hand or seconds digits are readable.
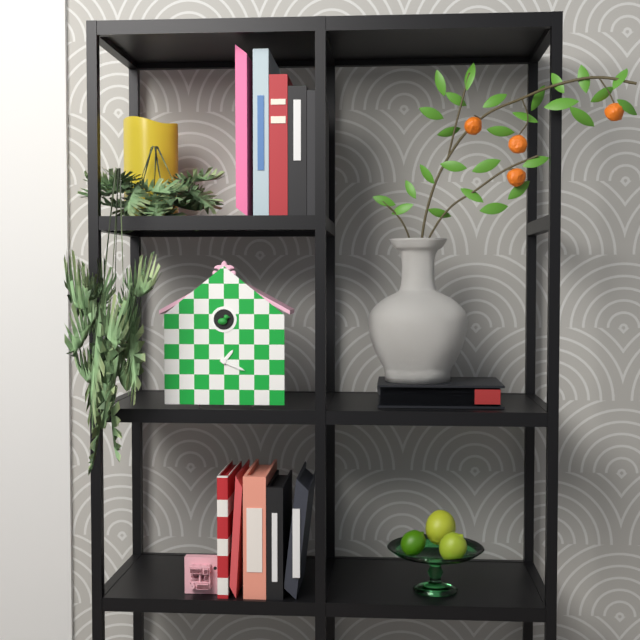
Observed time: 1:19
